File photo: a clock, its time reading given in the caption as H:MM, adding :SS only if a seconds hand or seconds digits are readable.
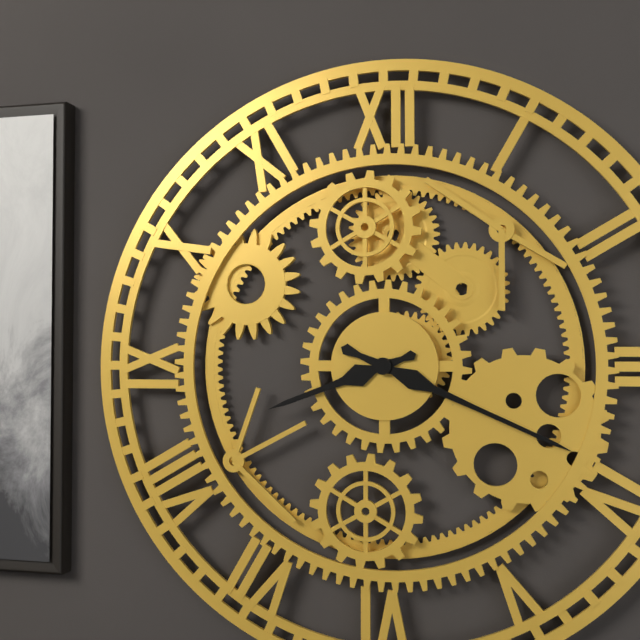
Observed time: 8:19
